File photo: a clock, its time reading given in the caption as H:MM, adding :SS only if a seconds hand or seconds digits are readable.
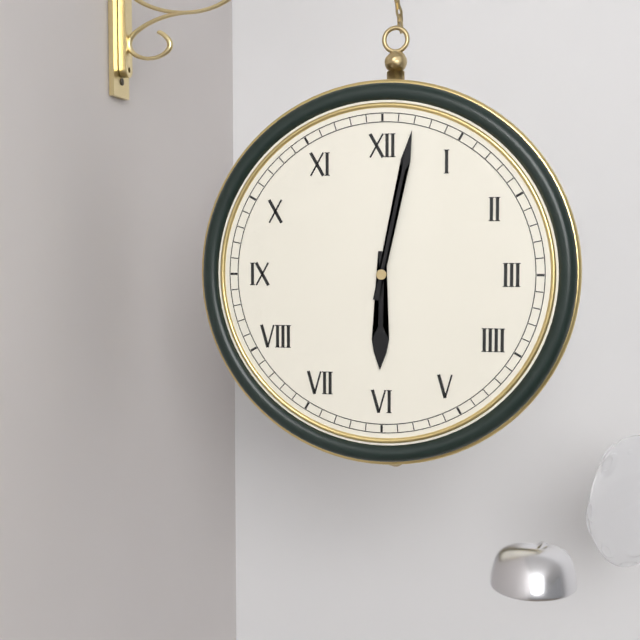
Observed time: 6:02
